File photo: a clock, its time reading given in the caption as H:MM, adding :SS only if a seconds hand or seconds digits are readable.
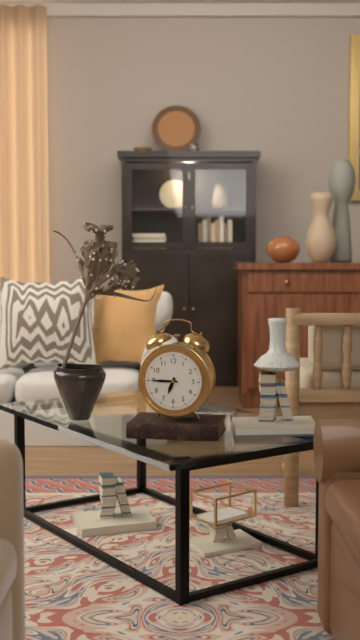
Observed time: 6:45
